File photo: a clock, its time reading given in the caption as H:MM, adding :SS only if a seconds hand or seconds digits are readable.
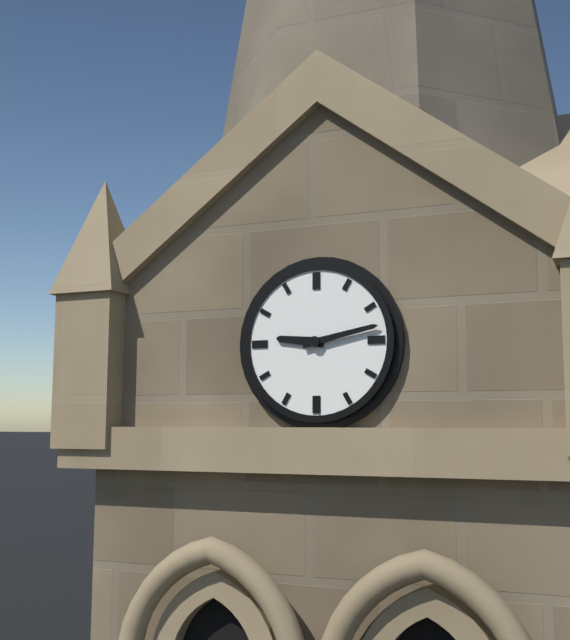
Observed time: 9:13
